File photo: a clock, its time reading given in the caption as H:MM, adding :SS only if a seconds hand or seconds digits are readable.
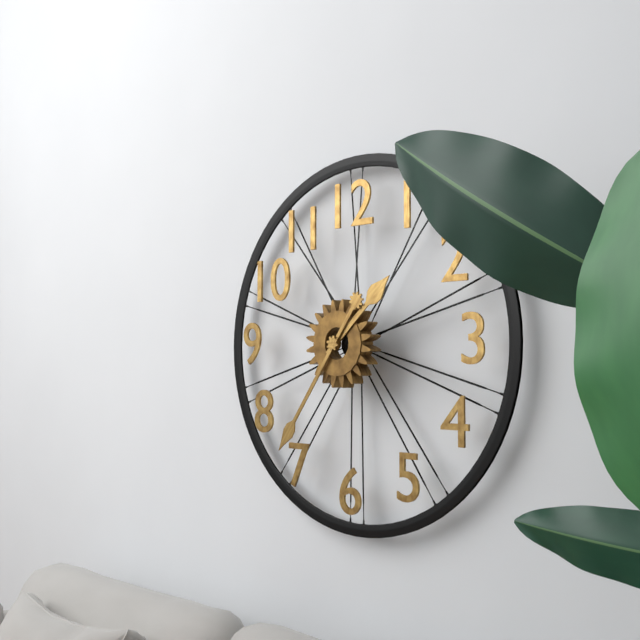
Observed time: 1:36
